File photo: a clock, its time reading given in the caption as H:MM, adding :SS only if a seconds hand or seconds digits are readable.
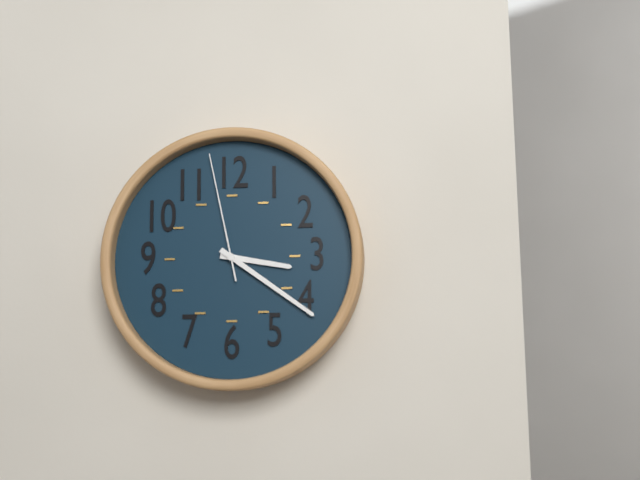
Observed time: 3:21:58
